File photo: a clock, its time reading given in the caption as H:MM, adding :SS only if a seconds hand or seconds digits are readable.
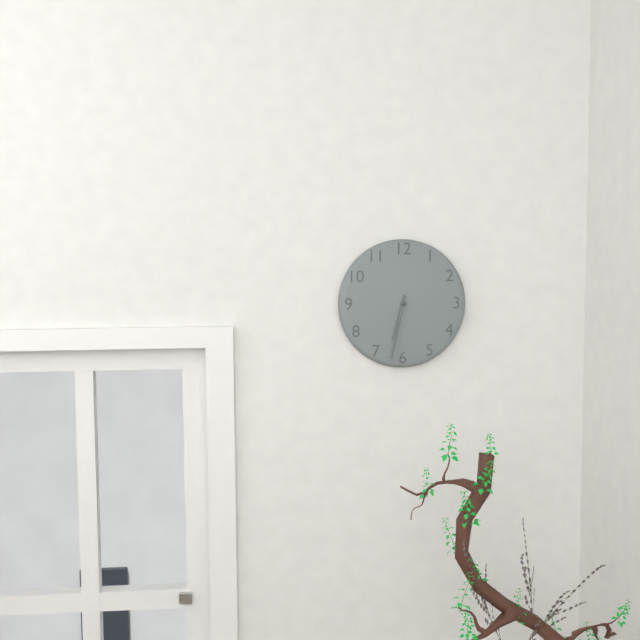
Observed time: 6:32
